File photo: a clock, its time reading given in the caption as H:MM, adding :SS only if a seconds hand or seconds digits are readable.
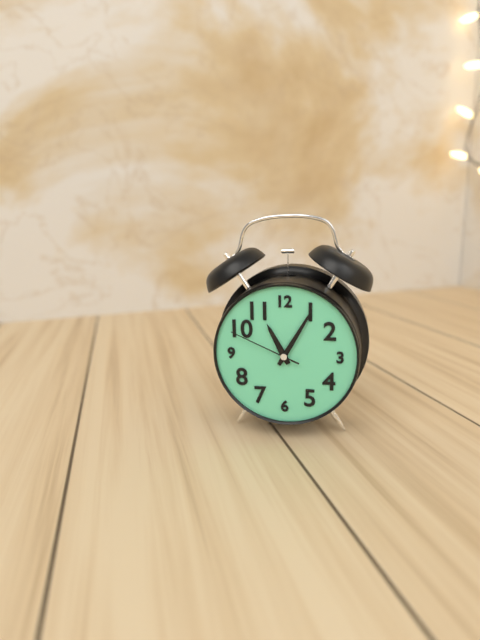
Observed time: 11:05:49
